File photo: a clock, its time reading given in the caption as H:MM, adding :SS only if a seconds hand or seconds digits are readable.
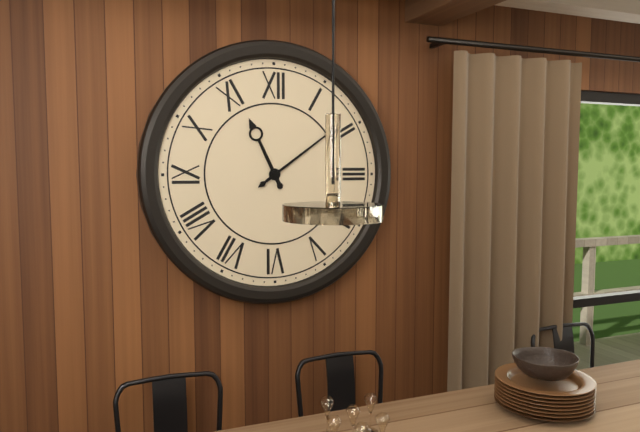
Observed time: 11:09
